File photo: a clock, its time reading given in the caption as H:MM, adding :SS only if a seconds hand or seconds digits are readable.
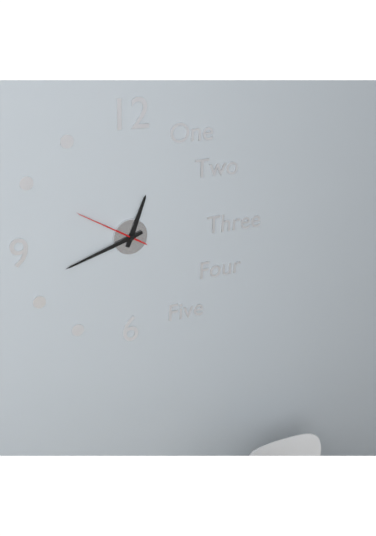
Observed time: 12:42:50
